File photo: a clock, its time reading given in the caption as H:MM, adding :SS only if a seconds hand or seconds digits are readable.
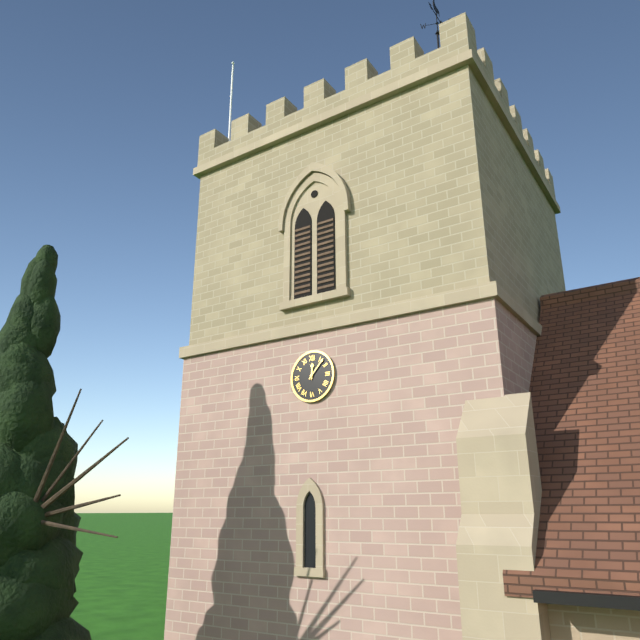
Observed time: 12:07
